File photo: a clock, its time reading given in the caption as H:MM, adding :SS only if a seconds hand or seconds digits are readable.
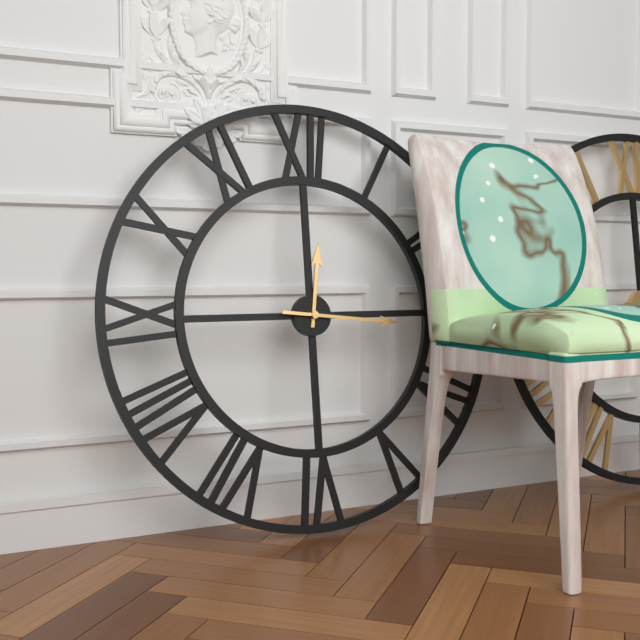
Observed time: 12:16
